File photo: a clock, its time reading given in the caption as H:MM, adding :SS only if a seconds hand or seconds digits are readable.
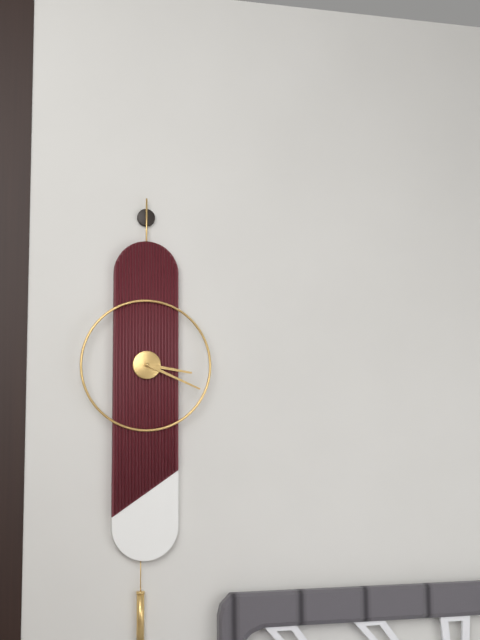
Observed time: 3:19
